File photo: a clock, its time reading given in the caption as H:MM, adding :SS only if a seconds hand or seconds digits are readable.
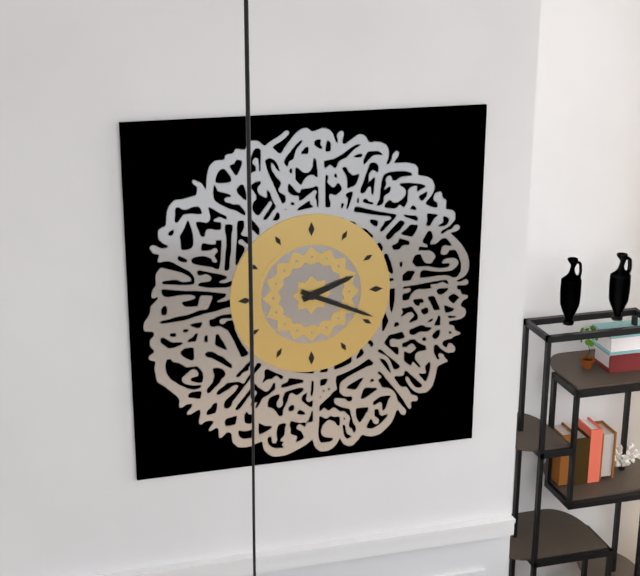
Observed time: 2:19
